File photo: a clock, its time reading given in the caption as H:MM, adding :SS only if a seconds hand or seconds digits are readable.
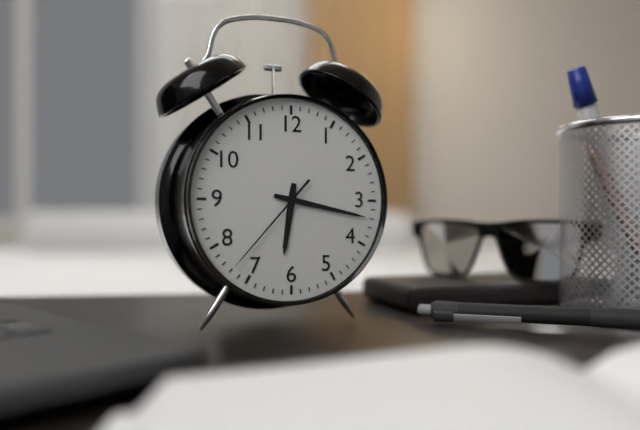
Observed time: 6:17:37
